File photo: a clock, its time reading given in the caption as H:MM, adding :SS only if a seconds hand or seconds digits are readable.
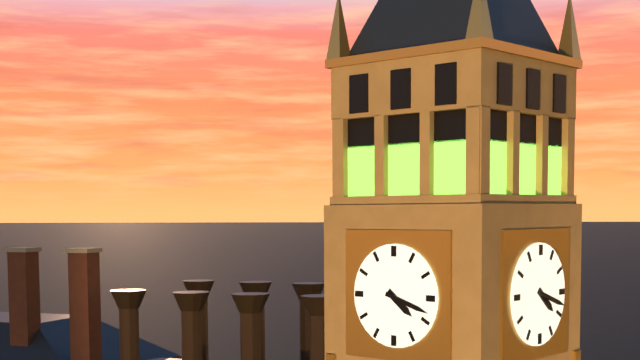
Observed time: 4:18
